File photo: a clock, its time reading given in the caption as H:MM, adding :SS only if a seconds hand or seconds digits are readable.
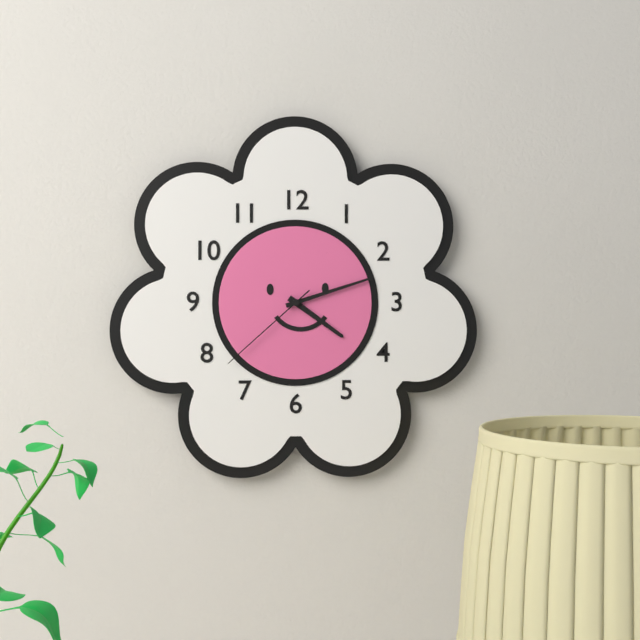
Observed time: 4:12:38
